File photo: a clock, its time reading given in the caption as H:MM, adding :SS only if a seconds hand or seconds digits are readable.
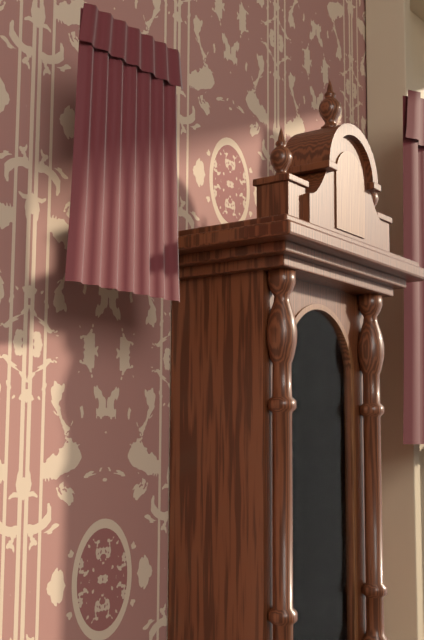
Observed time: 12:28
